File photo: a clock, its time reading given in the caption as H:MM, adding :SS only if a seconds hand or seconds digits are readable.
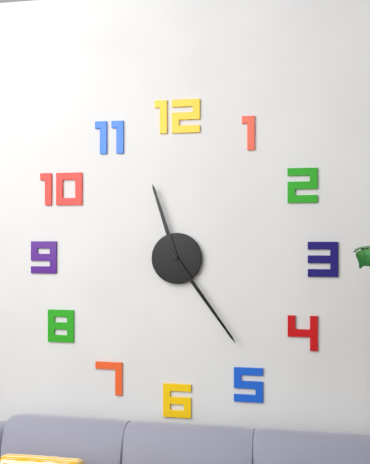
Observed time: 11:24
